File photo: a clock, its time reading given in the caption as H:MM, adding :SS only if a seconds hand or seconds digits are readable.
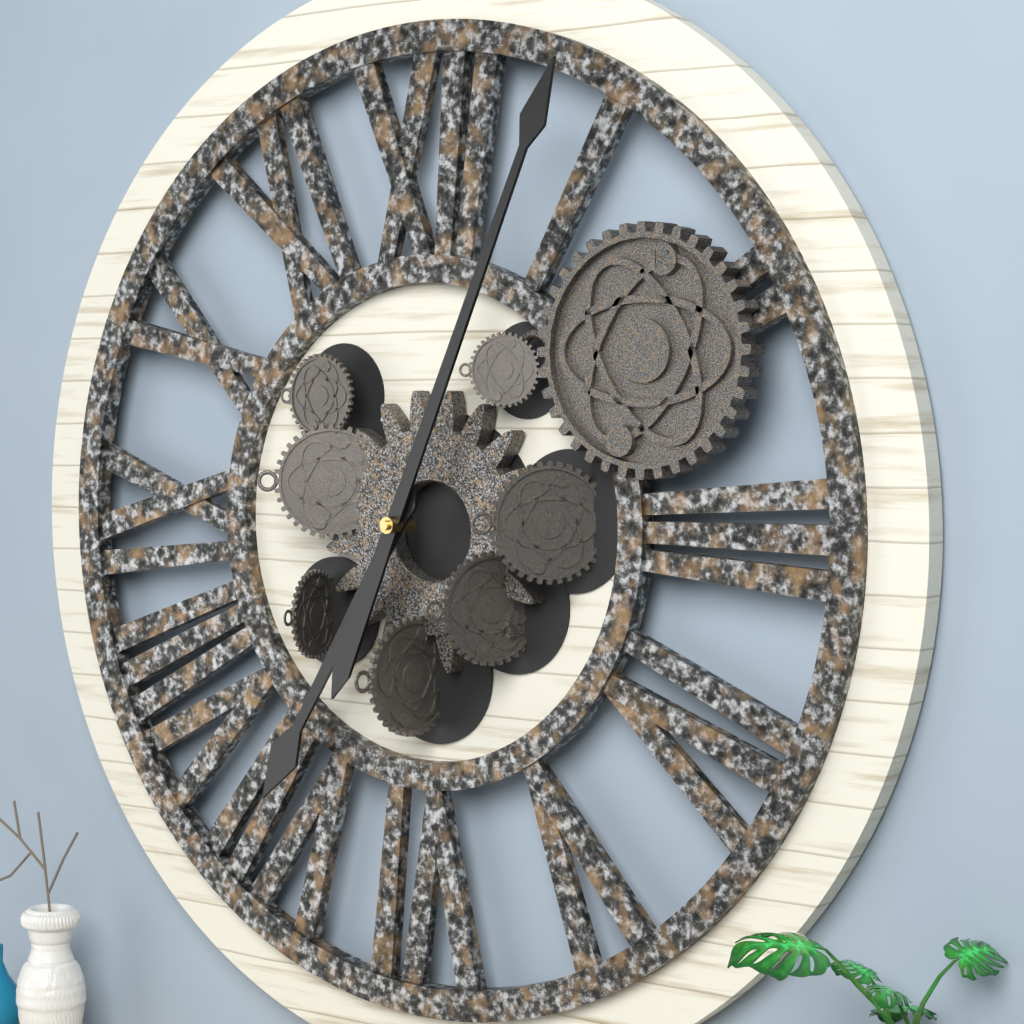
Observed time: 7:04
